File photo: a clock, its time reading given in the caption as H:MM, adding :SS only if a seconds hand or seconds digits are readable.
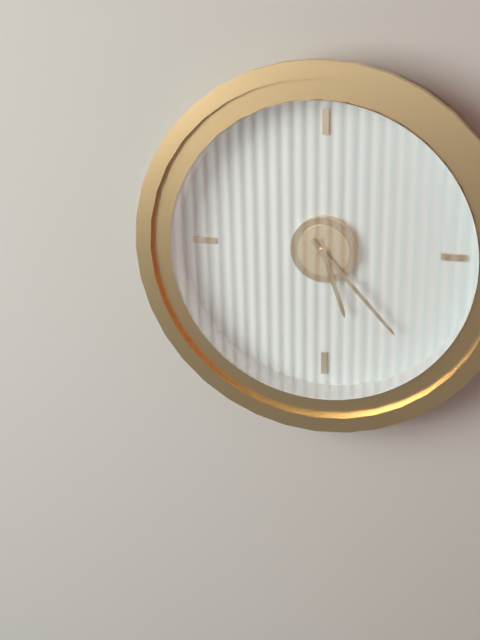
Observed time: 5:23
